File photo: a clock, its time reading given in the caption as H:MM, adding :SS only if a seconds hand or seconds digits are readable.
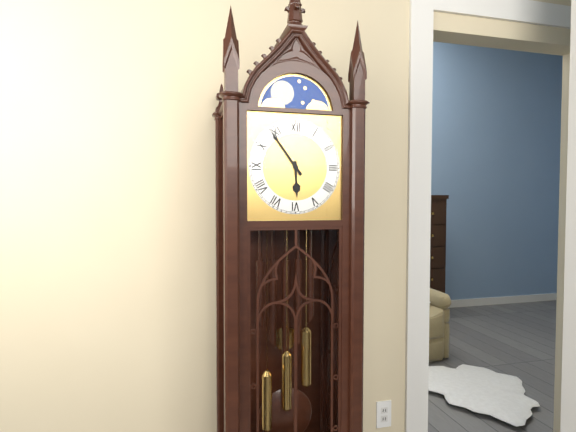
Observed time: 5:54
